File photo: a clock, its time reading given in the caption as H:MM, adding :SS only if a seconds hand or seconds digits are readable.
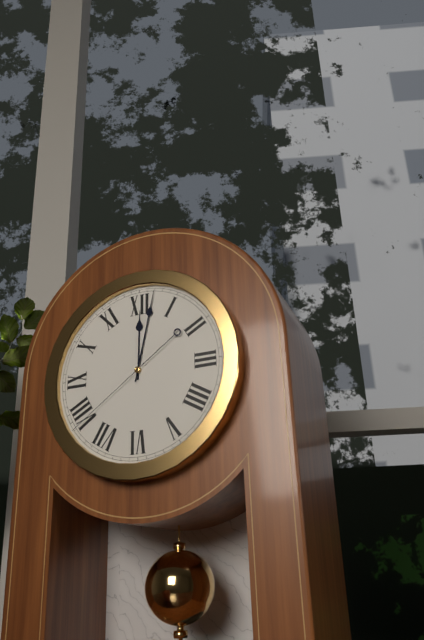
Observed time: 12:02:39
